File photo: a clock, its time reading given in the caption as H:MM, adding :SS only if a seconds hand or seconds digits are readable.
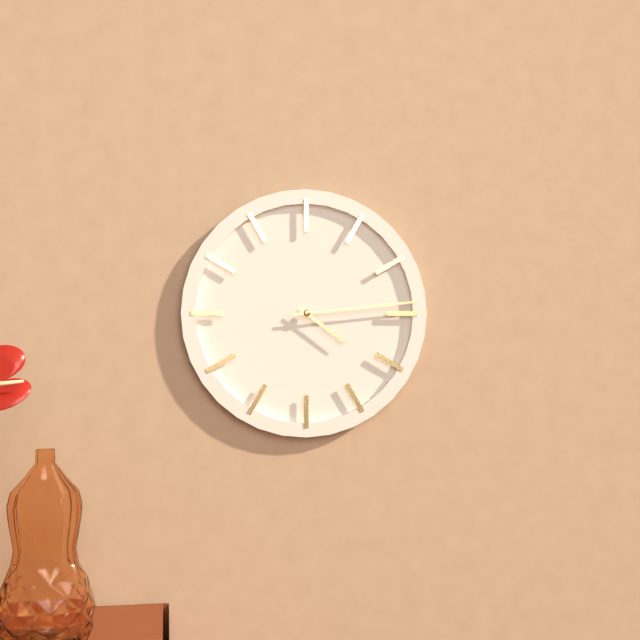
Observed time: 4:14
